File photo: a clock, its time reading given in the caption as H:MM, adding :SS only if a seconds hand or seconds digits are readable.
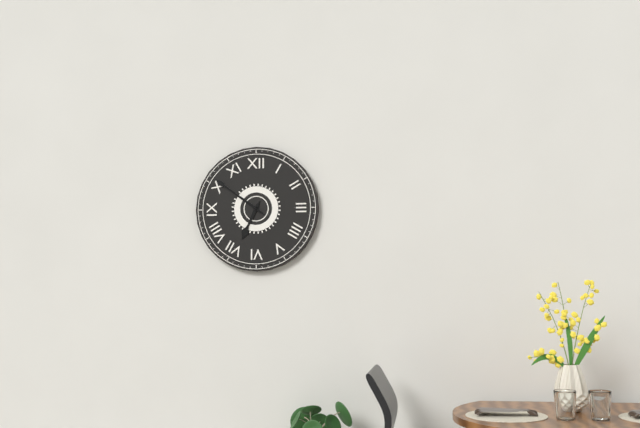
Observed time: 6:51
